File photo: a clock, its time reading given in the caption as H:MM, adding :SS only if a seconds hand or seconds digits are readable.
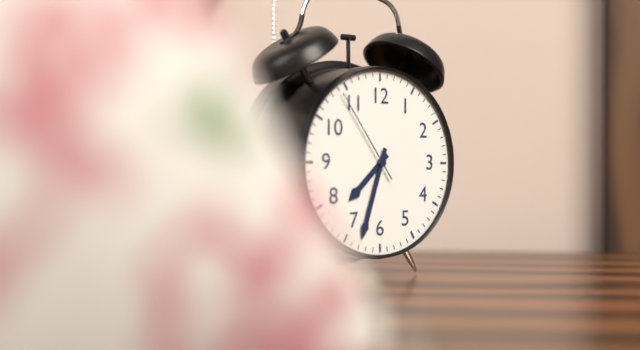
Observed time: 7:33:54
